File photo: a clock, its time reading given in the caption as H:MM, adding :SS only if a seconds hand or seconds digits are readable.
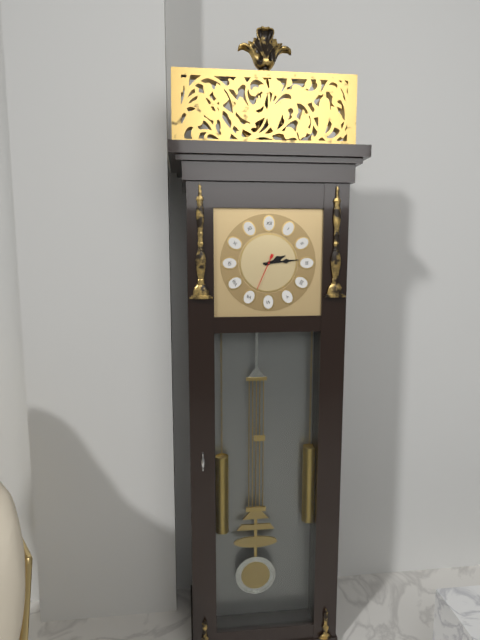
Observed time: 2:14
